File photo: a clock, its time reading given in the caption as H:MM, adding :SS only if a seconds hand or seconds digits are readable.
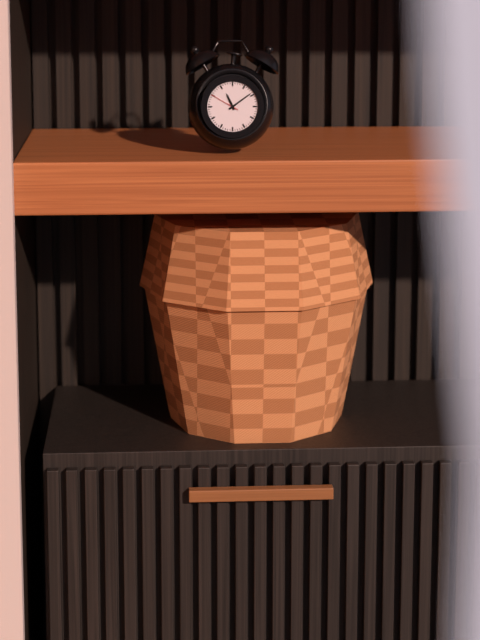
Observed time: 11:09
